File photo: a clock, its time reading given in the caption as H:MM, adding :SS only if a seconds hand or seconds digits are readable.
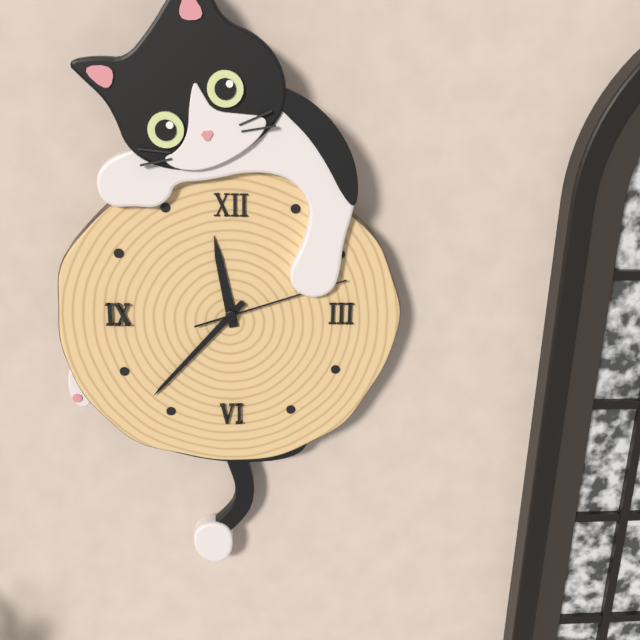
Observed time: 11:37:12
